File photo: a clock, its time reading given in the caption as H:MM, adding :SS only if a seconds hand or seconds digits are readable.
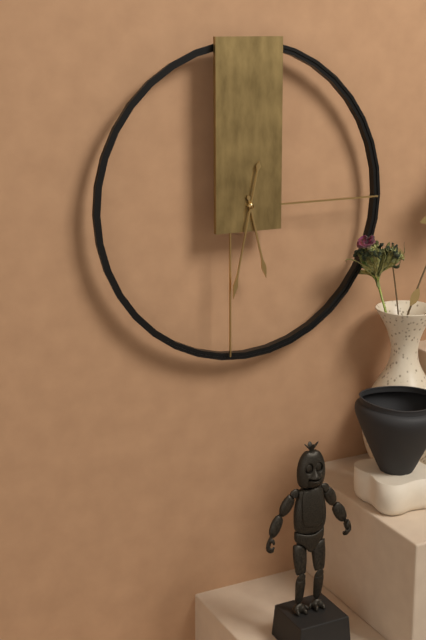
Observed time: 5:32
